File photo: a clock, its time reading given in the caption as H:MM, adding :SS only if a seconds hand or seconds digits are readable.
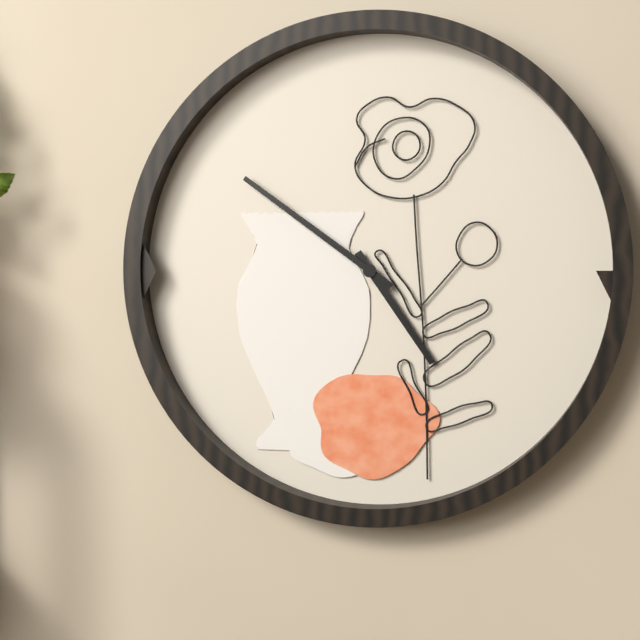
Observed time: 4:51
